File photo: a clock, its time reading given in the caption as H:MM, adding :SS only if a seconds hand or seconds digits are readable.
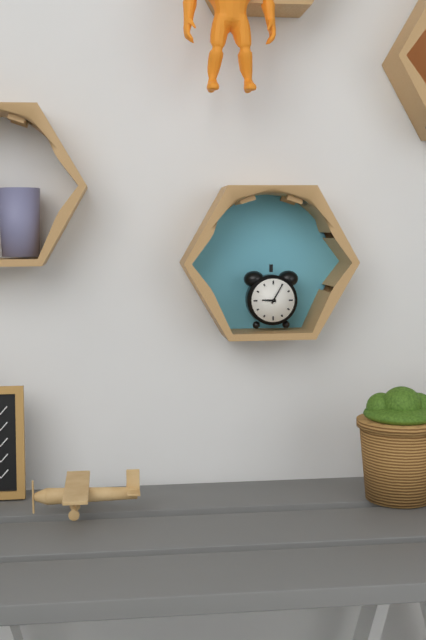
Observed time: 9:05
